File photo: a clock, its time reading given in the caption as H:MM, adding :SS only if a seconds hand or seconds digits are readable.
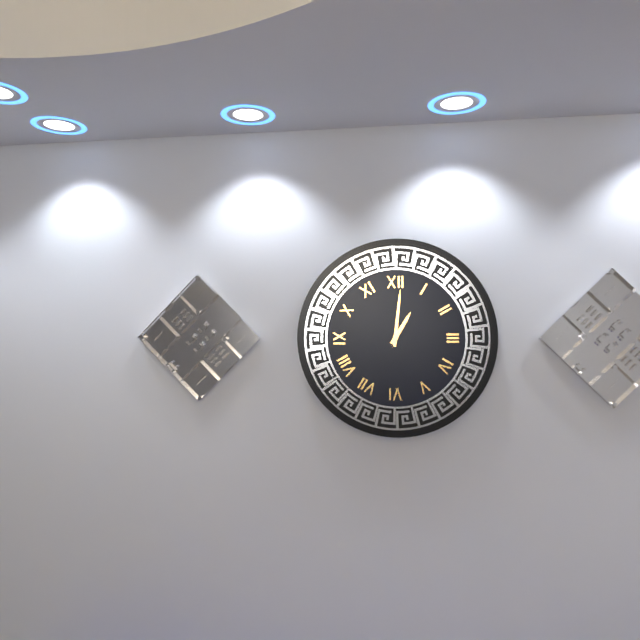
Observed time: 1:01
